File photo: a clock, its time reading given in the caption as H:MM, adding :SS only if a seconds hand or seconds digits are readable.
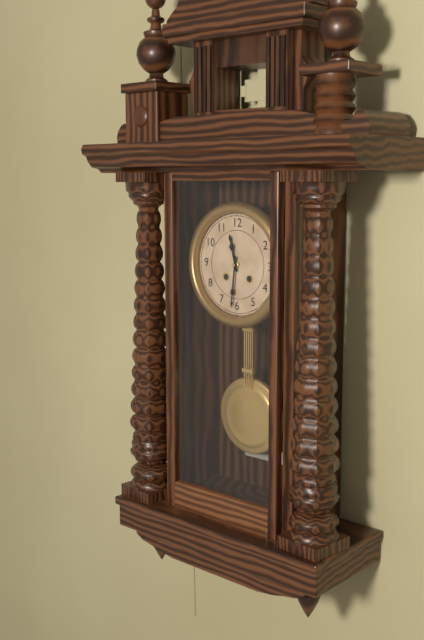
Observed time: 11:31
